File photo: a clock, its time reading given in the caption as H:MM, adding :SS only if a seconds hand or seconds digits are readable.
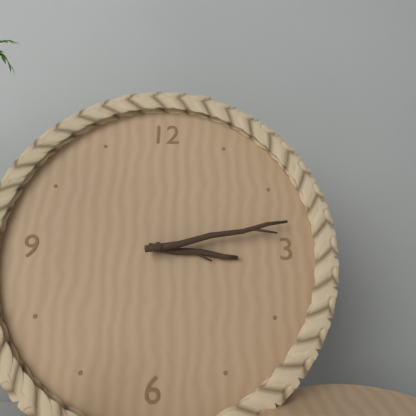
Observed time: 3:13
